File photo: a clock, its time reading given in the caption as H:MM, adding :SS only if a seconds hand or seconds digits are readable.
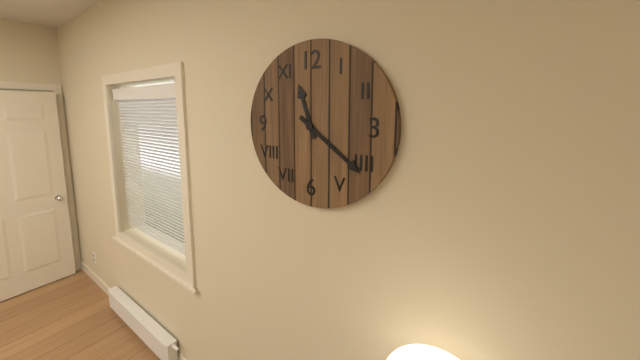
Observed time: 11:21
